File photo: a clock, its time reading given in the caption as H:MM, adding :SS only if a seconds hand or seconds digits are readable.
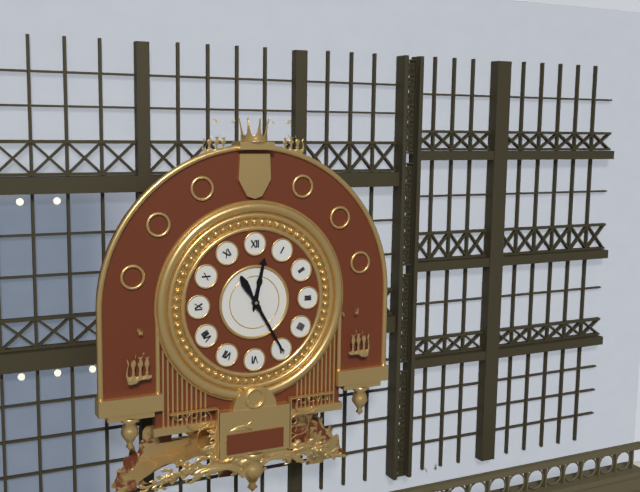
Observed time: 12:25
